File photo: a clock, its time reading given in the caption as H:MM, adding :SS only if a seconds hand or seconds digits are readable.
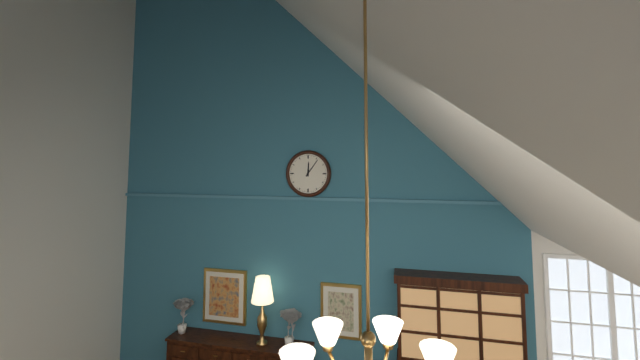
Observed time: 12:06
